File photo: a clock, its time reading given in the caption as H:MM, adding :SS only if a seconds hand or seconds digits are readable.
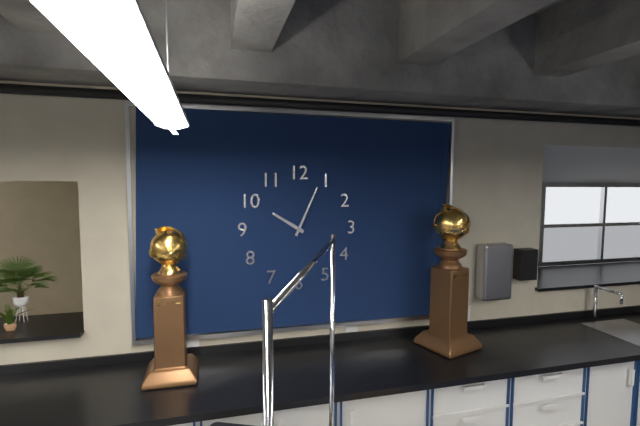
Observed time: 10:04
